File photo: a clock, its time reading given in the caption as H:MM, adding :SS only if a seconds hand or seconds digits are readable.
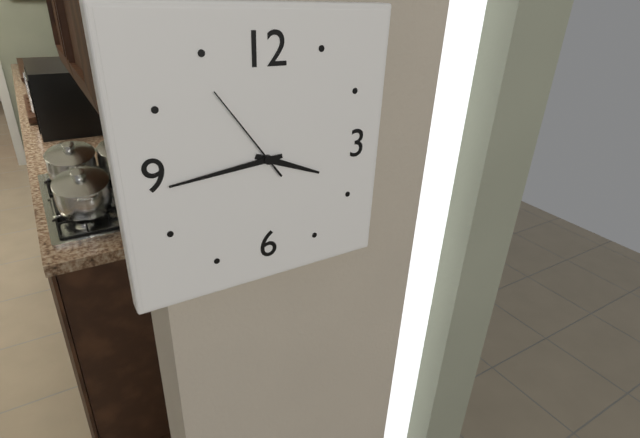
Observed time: 3:44:54
